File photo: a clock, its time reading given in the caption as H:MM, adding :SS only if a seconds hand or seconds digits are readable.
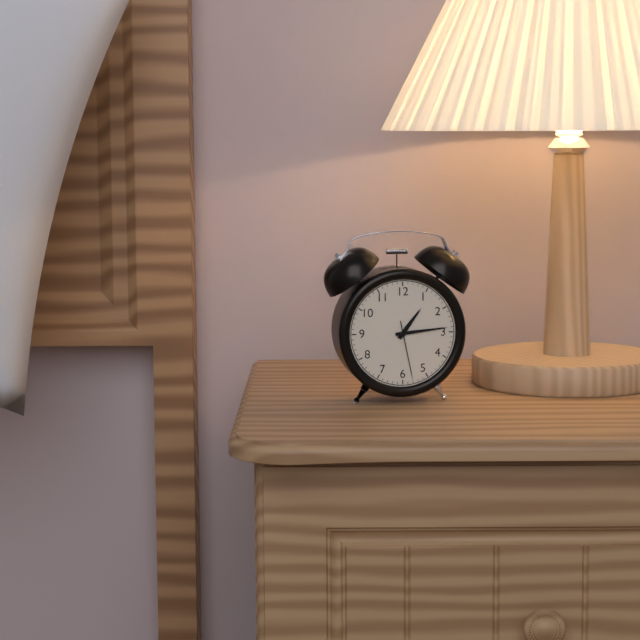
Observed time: 1:14:28
